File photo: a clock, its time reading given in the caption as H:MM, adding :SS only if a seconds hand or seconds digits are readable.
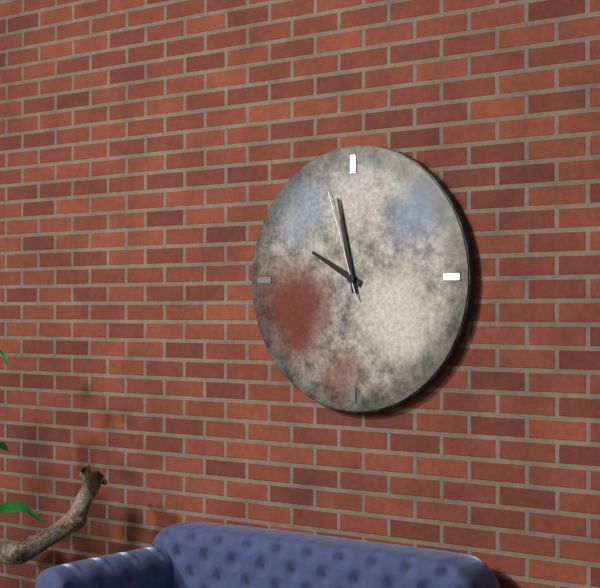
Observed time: 9:58:57
